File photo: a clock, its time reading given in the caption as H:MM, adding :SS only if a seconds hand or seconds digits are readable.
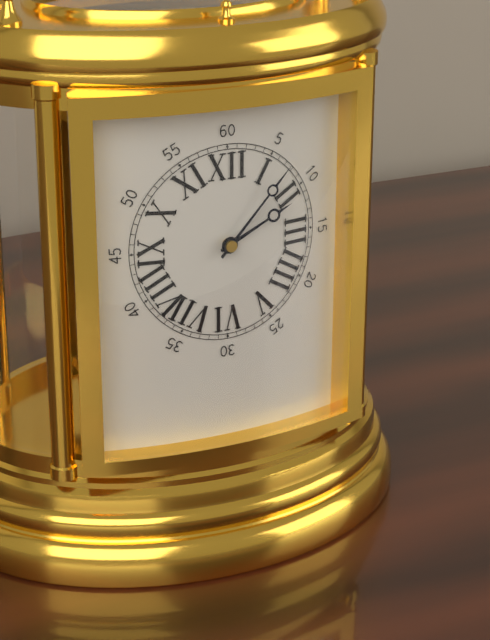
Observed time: 2:07
